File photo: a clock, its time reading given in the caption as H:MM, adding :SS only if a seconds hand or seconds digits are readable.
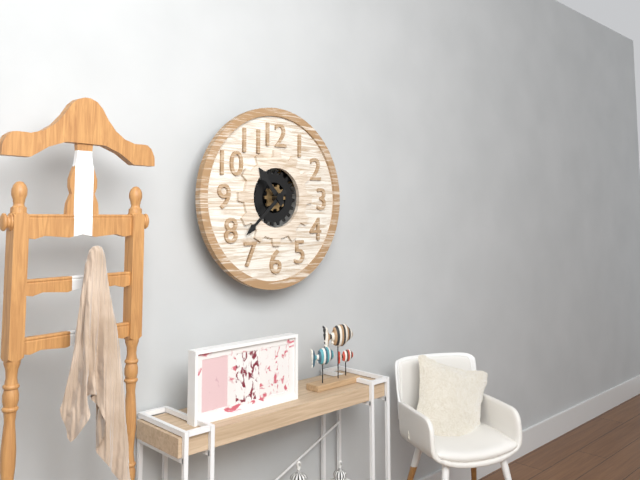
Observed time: 10:38
